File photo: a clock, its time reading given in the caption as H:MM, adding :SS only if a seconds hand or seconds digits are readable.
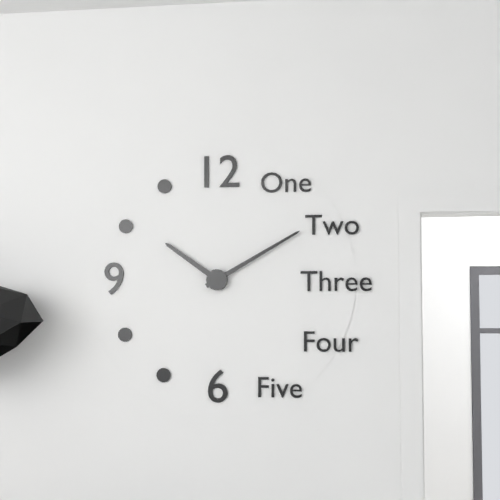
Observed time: 10:10
